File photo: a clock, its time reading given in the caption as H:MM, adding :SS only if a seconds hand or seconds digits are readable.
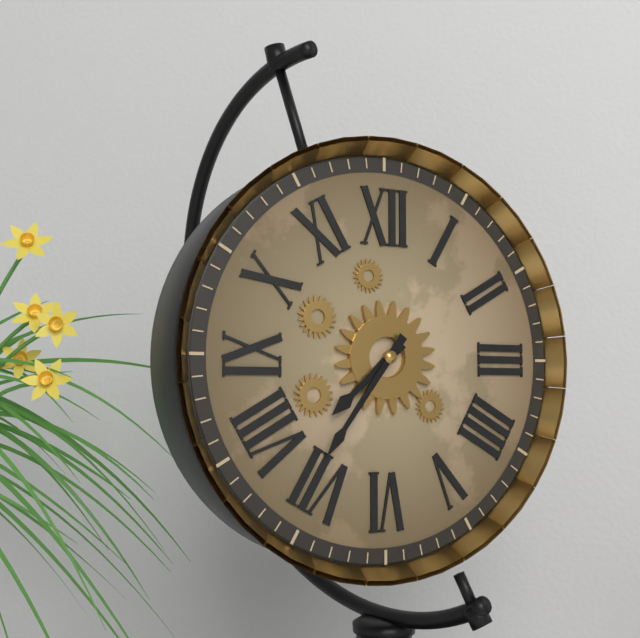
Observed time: 7:36
